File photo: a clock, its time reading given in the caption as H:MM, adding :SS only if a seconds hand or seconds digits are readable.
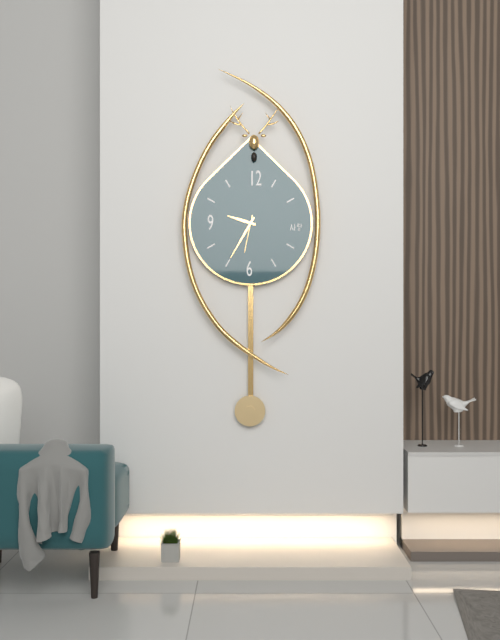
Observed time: 9:35
